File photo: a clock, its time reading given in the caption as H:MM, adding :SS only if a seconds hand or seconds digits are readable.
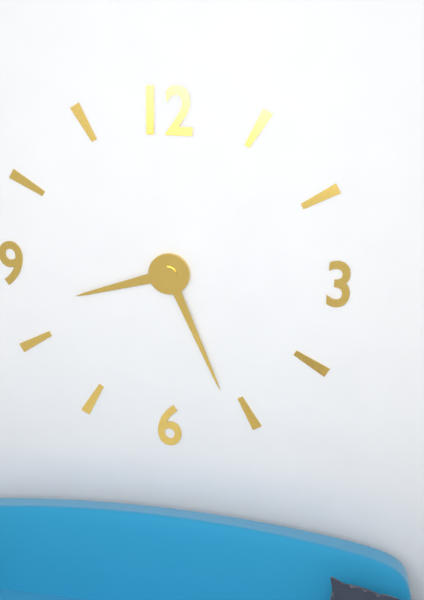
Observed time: 8:26
